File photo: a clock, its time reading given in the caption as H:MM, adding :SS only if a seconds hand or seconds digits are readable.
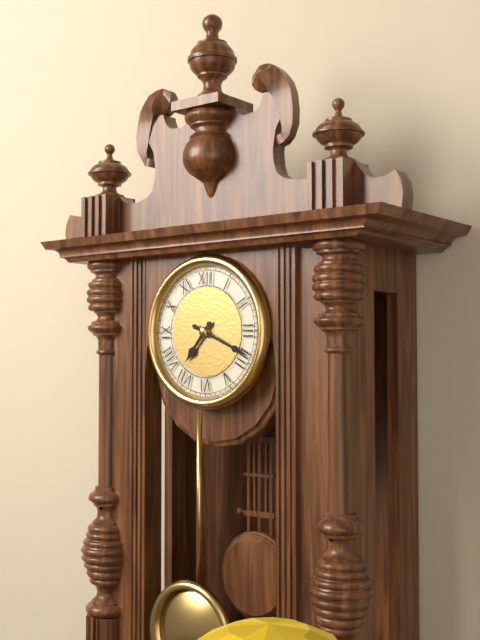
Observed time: 7:19
